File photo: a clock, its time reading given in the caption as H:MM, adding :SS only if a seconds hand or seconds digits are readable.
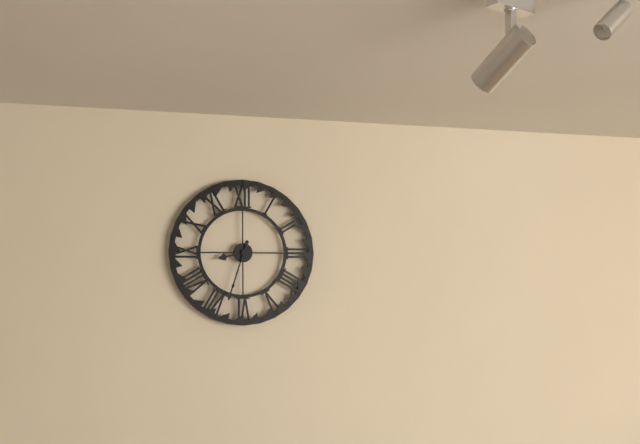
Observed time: 8:33
